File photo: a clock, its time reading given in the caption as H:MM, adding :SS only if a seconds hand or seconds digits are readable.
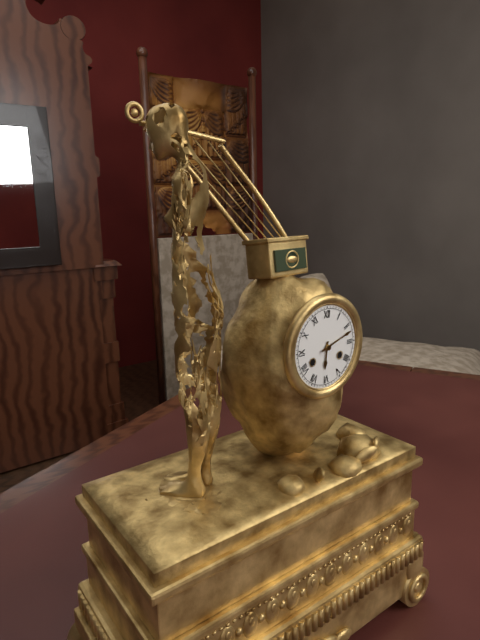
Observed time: 6:12
